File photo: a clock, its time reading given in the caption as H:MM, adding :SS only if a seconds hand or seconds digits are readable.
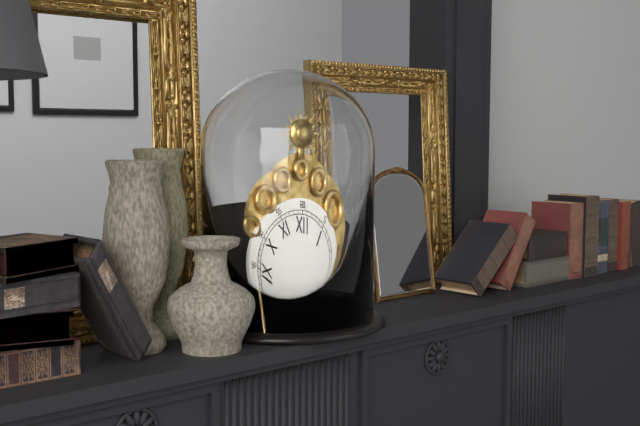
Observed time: 4:12
